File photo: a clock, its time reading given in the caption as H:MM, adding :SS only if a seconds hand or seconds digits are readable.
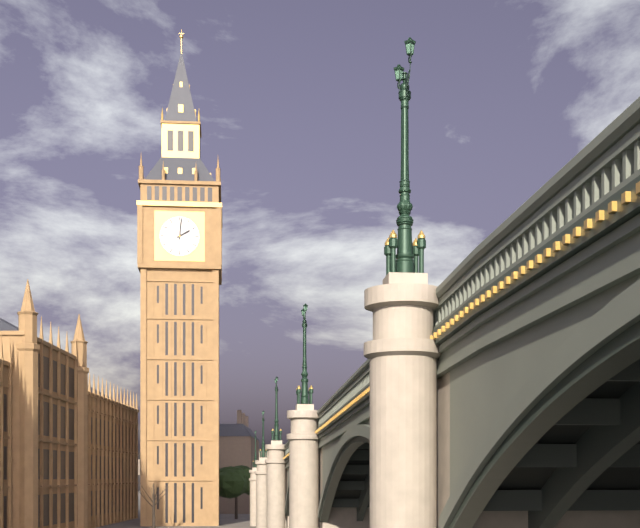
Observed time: 2:01
